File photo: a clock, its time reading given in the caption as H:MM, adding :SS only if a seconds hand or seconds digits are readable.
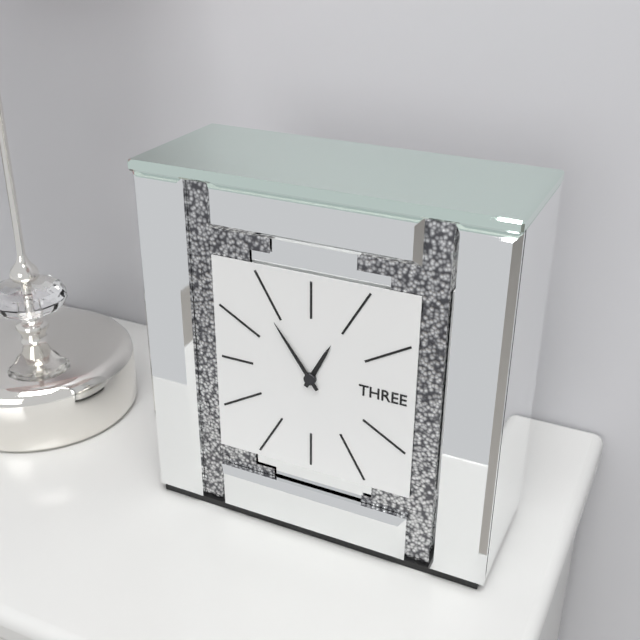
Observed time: 12:54
